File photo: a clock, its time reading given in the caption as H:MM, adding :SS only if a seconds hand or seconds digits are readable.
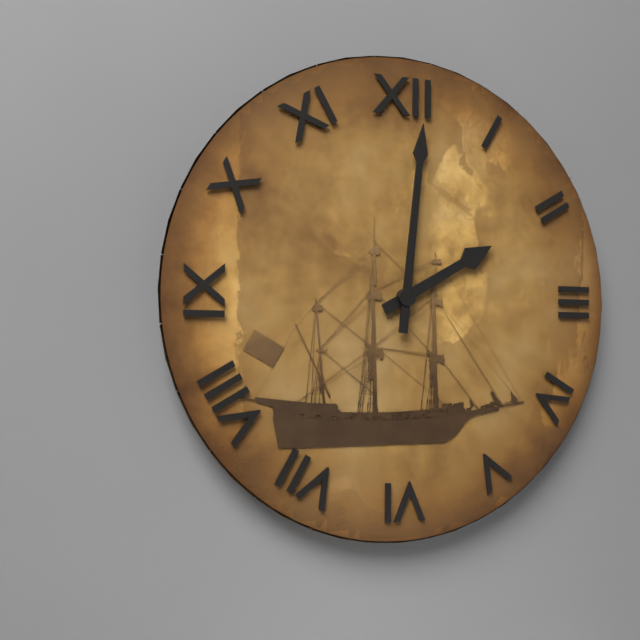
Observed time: 2:01
